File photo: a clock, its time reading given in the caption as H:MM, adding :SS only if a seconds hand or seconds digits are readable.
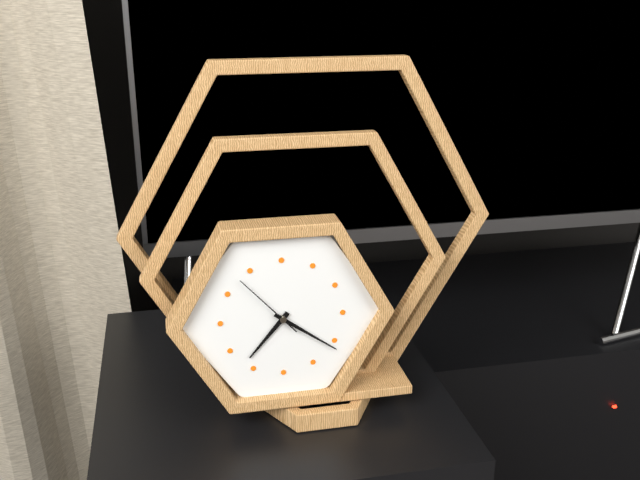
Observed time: 7:21:53
